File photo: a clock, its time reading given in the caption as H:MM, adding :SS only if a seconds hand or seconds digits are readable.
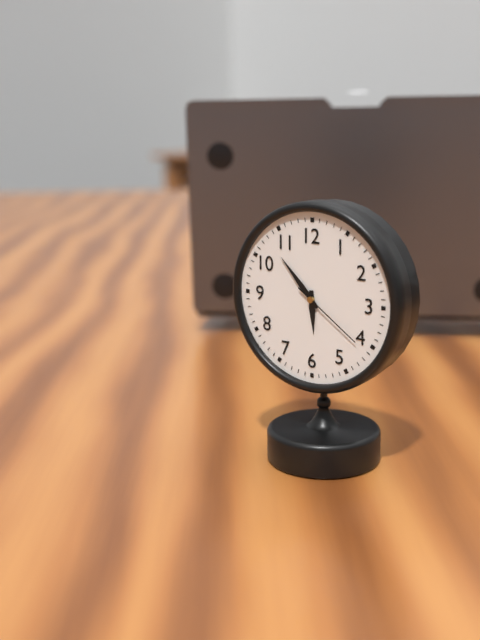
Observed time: 5:53:21
